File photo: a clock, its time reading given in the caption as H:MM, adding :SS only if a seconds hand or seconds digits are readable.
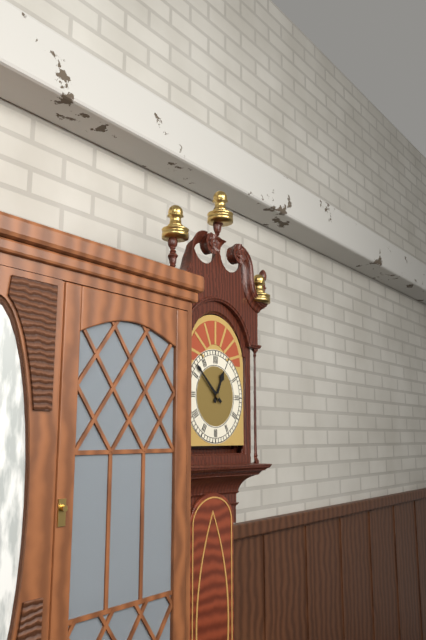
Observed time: 12:52
